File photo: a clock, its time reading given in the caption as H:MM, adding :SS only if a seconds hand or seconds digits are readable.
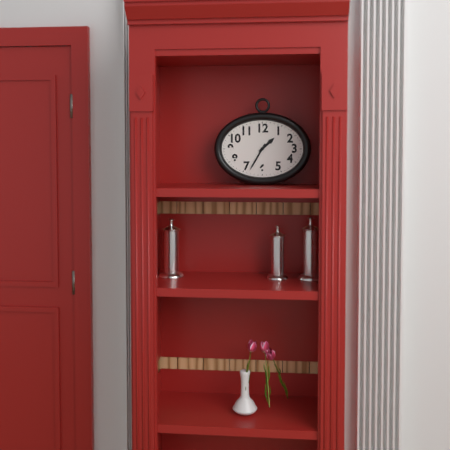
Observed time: 1:35
